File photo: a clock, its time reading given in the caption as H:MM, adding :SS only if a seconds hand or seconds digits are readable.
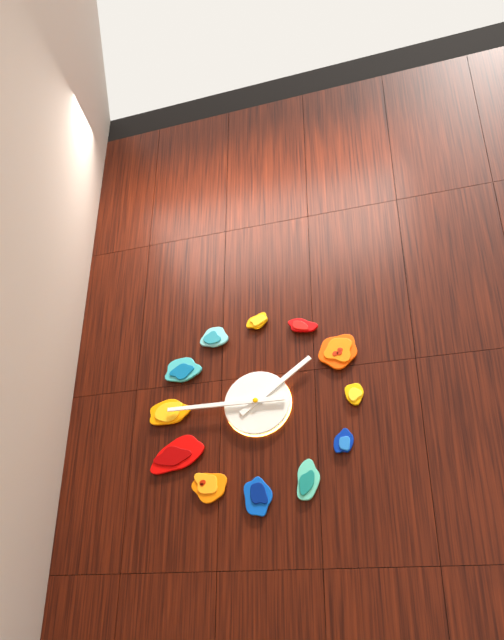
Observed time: 1:45
